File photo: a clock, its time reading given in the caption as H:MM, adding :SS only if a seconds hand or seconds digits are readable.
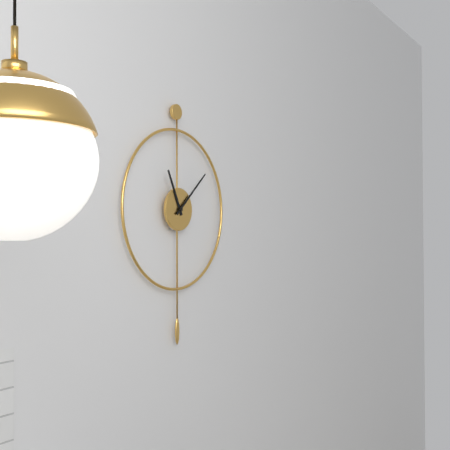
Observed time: 11:08
